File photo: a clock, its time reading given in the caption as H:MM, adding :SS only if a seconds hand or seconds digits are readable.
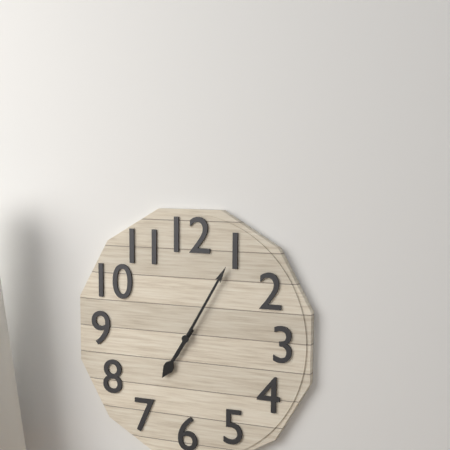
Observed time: 7:05
